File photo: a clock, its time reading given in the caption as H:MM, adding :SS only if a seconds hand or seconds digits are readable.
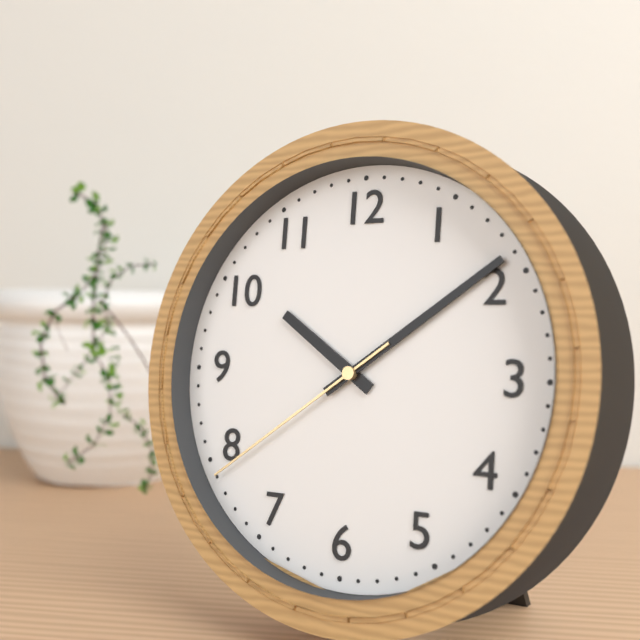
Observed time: 10:09:39
